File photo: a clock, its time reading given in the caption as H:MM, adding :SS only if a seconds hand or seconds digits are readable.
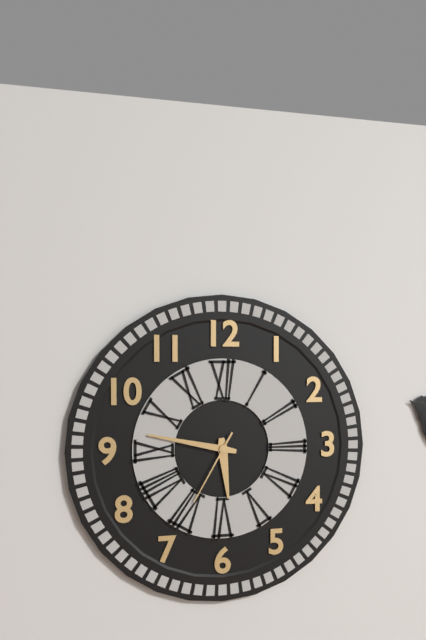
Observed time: 5:47:35
